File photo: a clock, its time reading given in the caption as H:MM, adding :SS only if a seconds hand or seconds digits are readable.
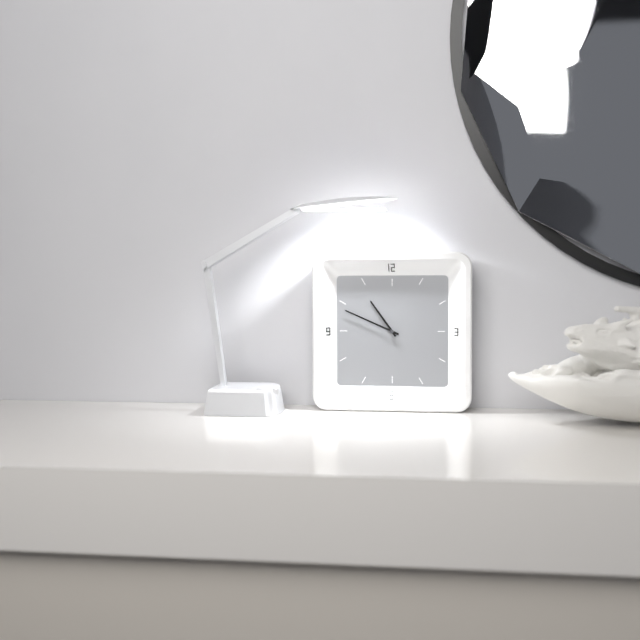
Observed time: 10:49
